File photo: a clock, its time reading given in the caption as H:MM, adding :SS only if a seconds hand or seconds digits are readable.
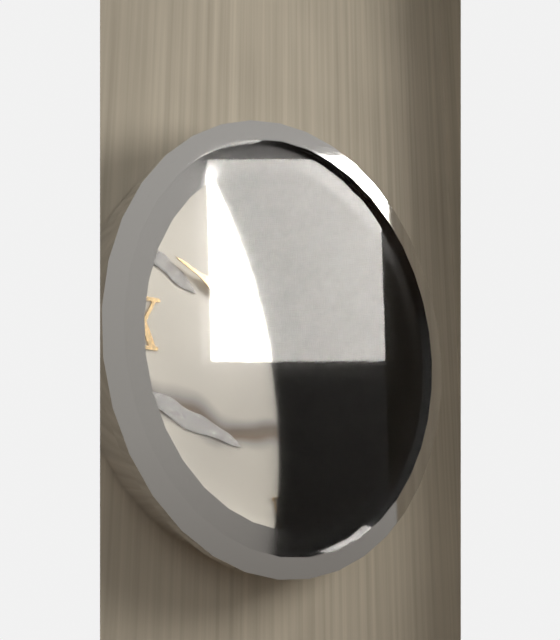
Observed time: 5:49
